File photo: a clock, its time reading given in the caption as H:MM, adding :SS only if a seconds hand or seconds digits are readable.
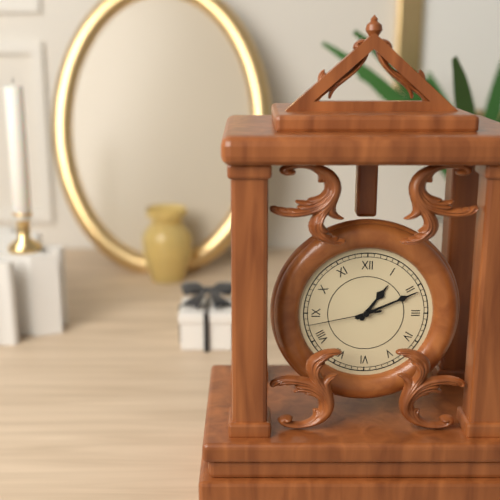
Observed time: 1:11:43
